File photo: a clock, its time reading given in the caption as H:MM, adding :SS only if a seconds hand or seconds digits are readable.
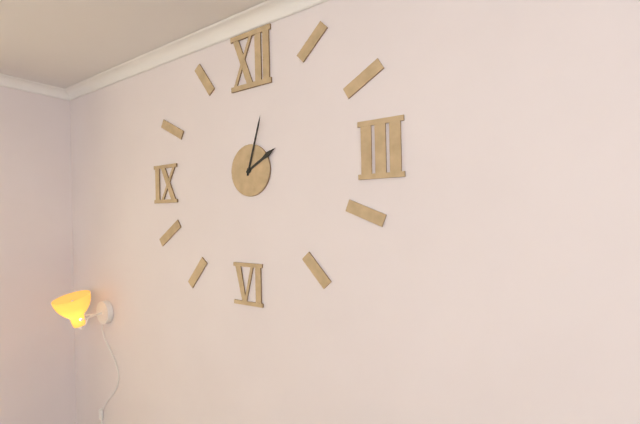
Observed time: 2:03
